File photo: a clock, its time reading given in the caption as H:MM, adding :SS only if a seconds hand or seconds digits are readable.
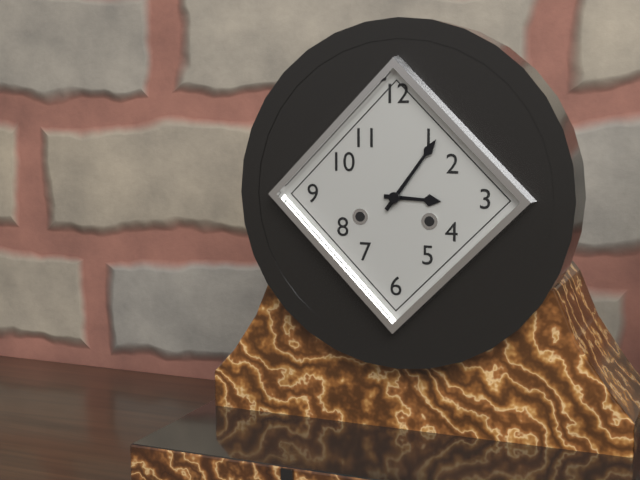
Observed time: 3:06
